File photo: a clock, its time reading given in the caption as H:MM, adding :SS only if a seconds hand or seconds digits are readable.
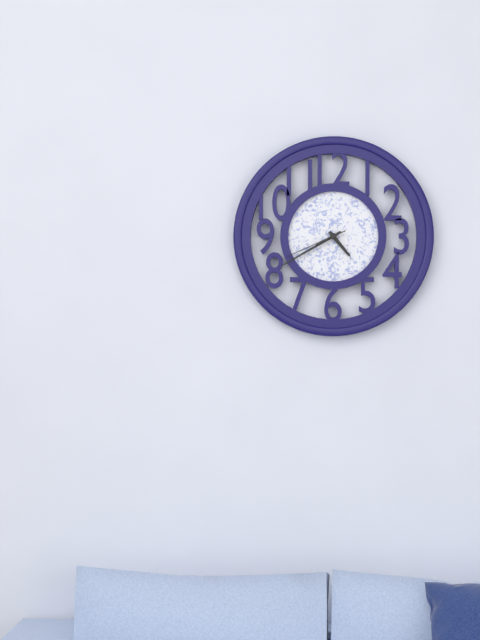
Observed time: 4:40:41
